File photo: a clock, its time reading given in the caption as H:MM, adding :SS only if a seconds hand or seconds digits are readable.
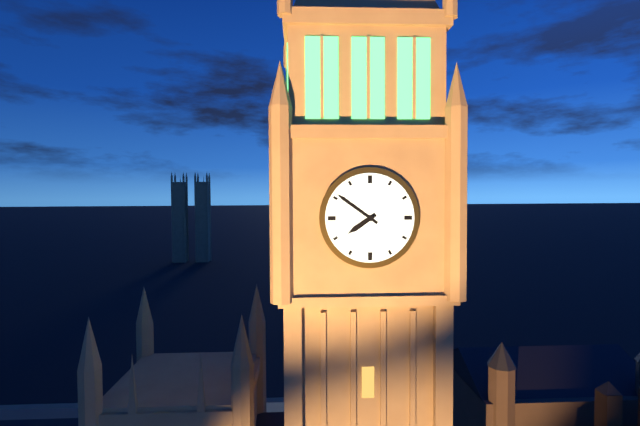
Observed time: 7:51
